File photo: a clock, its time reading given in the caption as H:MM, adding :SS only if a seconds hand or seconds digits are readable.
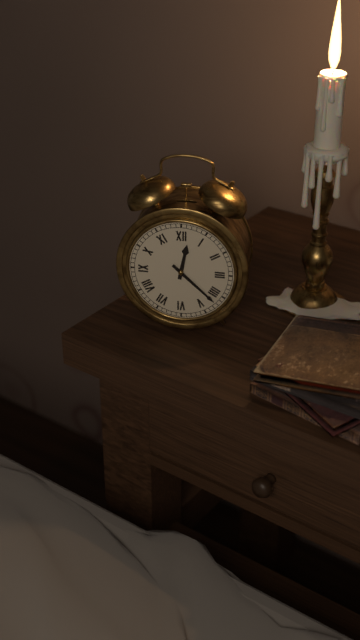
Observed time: 12:22
